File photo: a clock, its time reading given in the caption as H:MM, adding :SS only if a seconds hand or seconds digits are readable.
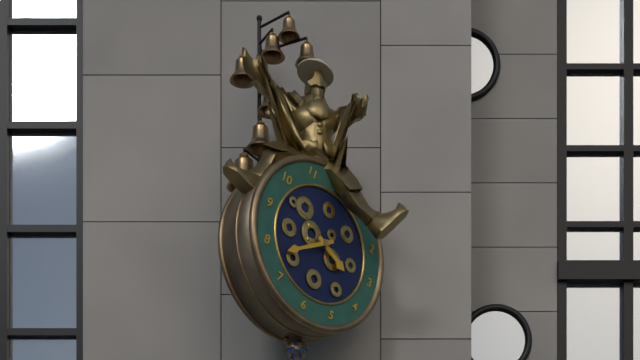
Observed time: 3:38
